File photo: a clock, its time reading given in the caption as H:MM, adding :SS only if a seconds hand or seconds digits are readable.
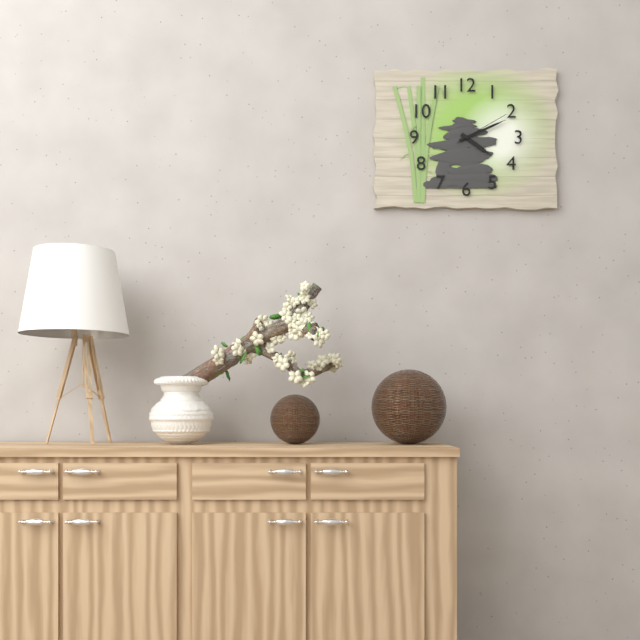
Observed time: 4:11:10
